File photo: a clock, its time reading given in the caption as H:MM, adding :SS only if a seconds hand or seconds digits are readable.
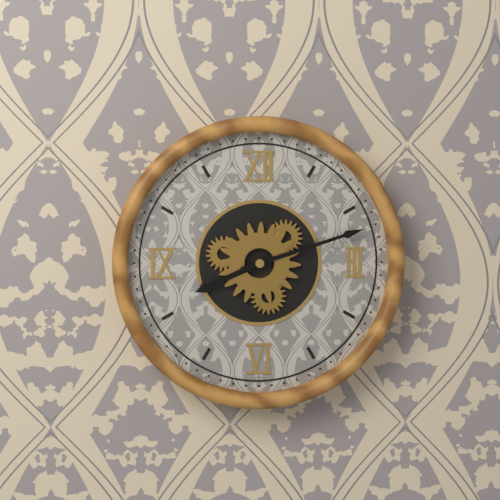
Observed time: 8:12
